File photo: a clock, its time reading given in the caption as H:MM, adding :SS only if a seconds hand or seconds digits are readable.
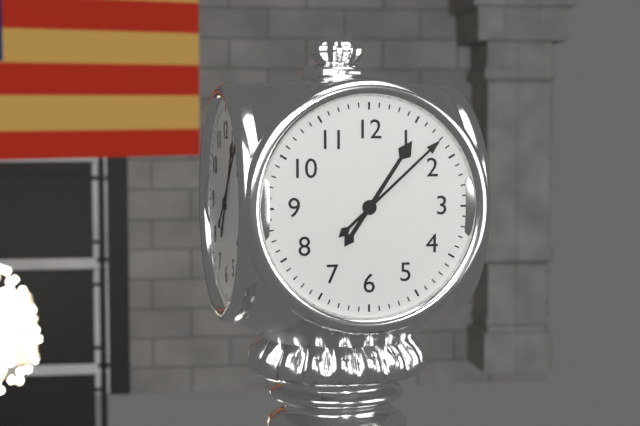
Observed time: 1:08
